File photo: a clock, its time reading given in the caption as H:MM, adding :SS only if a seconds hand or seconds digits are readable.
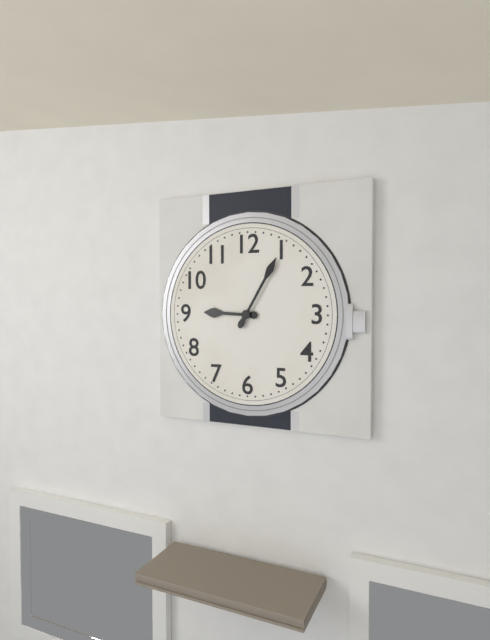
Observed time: 9:05
